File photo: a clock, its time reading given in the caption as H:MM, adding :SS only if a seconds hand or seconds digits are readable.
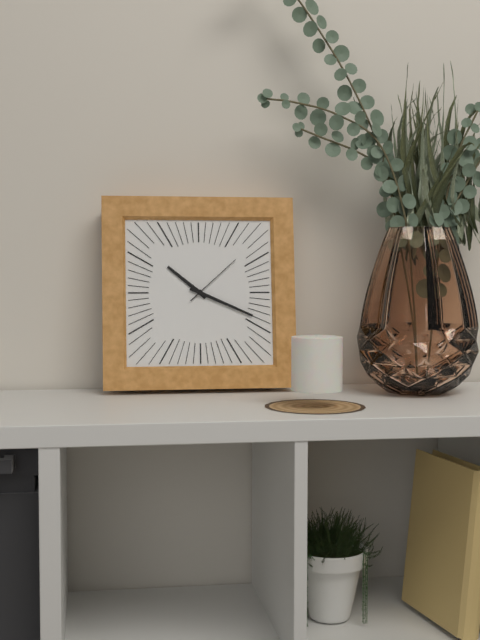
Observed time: 10:19:08
